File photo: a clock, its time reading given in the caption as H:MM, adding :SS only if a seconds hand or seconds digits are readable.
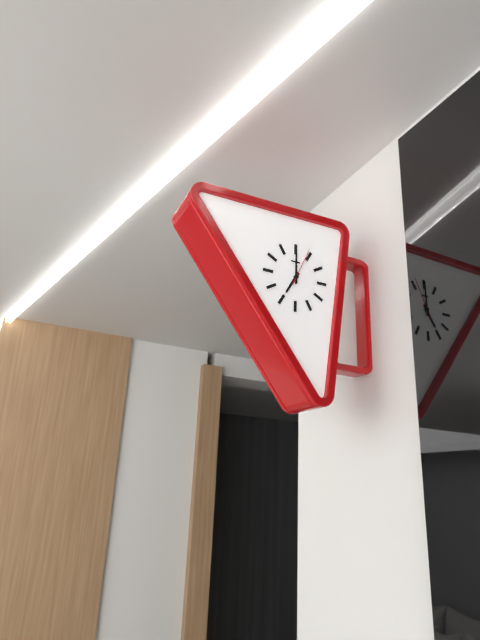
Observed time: 7:00
